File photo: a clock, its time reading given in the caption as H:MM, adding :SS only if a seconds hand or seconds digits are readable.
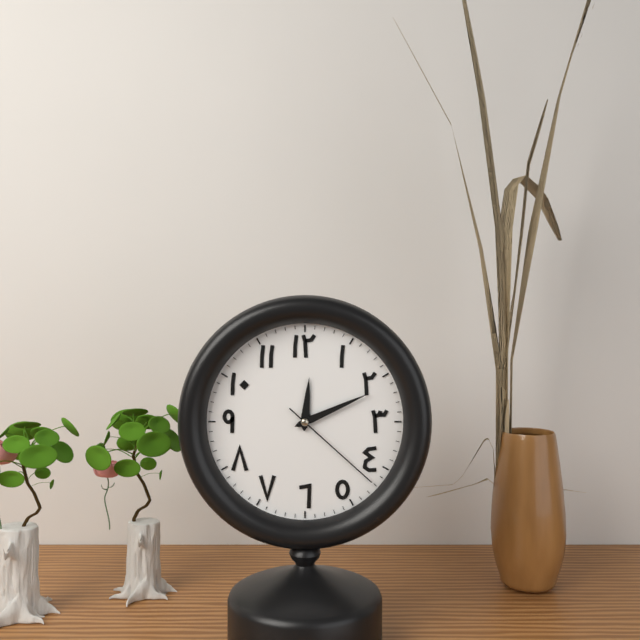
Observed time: 12:11:22
